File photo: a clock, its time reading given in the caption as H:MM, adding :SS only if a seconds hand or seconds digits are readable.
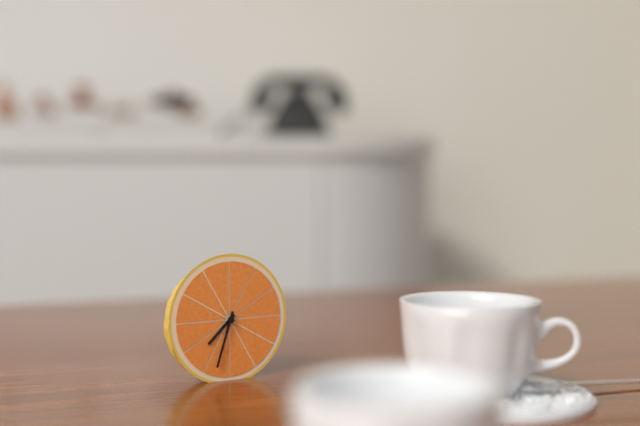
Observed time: 7:33
